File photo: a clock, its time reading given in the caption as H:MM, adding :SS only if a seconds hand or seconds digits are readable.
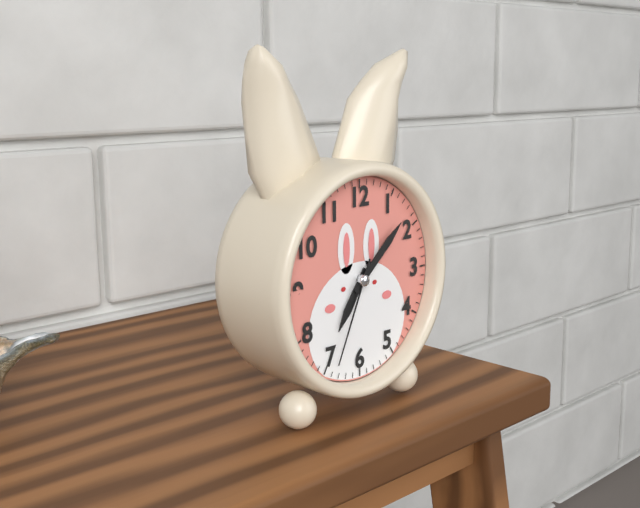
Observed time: 7:08:34
